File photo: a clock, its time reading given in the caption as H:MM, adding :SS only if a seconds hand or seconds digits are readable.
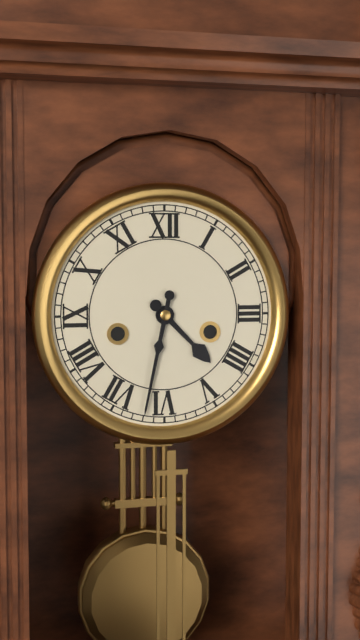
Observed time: 4:32
